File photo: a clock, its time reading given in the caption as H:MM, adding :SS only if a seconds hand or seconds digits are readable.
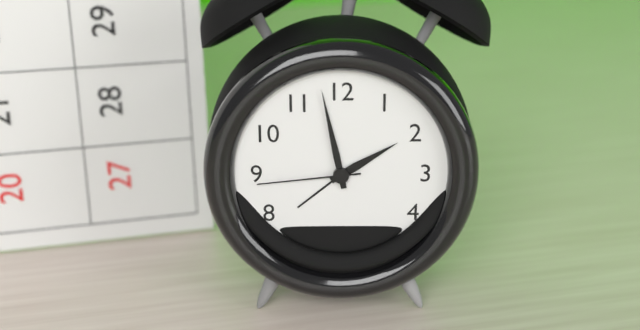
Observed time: 1:58:44
